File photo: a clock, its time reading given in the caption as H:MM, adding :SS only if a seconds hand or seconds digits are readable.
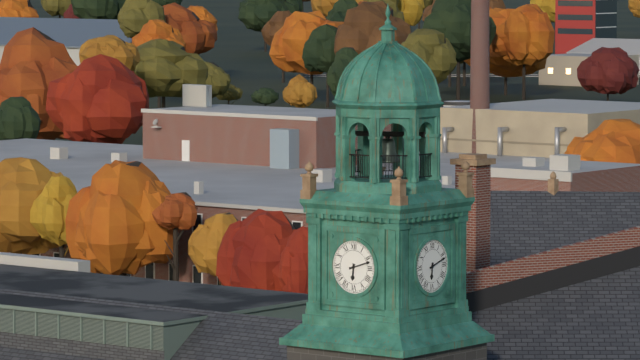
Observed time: 6:12
